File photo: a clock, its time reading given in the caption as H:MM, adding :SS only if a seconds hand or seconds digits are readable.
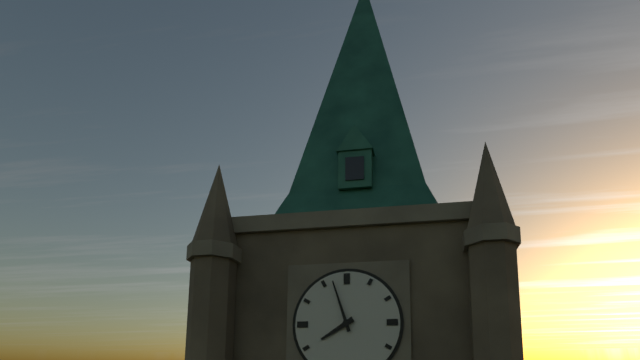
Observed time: 7:57
